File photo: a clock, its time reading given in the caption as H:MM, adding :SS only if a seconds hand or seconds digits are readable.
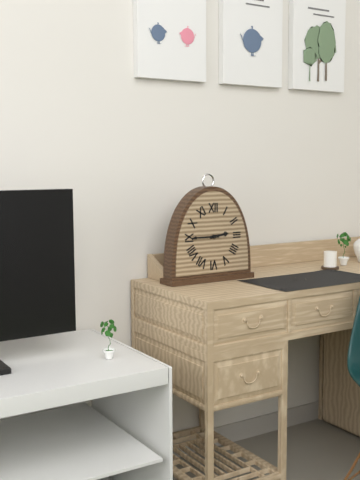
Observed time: 2:45
